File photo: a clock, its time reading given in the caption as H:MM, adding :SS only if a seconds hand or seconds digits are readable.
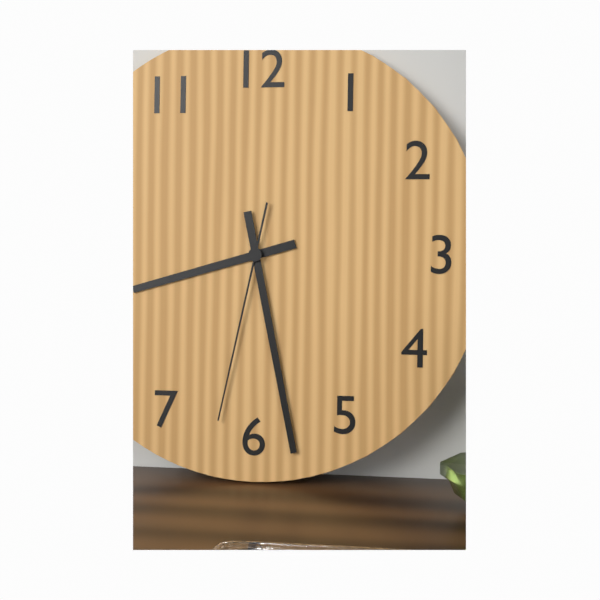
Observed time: 8:28:32
